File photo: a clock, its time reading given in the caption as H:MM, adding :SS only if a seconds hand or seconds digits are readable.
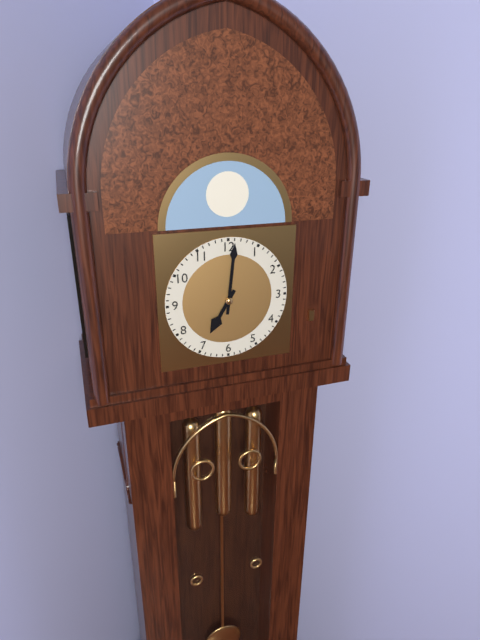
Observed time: 7:01
